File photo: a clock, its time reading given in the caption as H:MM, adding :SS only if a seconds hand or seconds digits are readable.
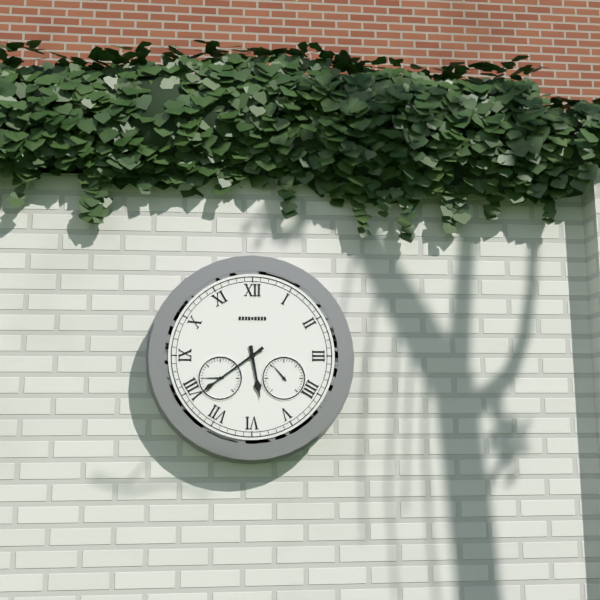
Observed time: 5:39
